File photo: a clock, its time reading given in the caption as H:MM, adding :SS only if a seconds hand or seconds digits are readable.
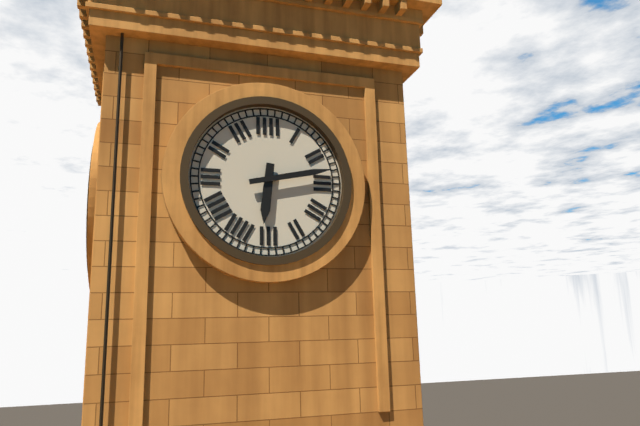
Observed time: 6:13
